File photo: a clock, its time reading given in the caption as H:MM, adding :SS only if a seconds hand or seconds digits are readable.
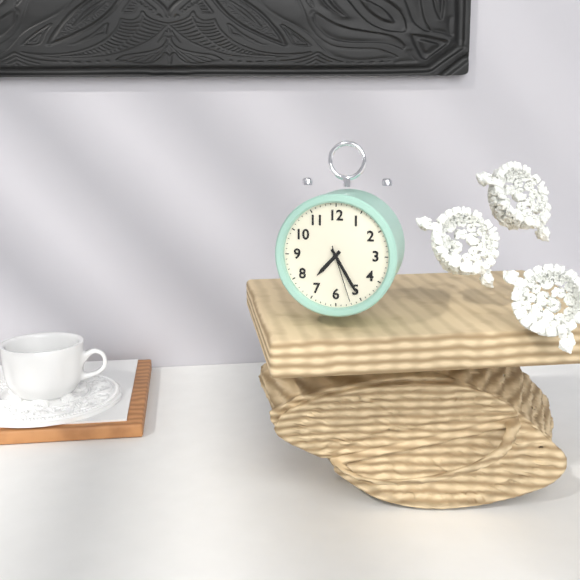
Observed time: 7:25:27
